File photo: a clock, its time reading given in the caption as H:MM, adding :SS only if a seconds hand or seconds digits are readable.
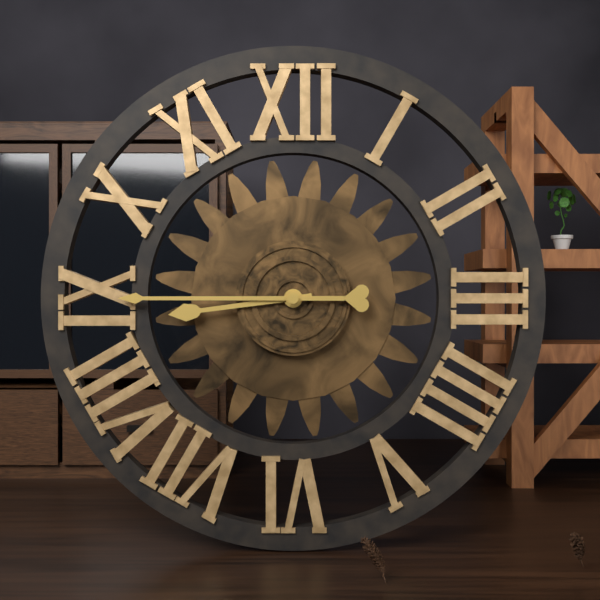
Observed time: 8:45
